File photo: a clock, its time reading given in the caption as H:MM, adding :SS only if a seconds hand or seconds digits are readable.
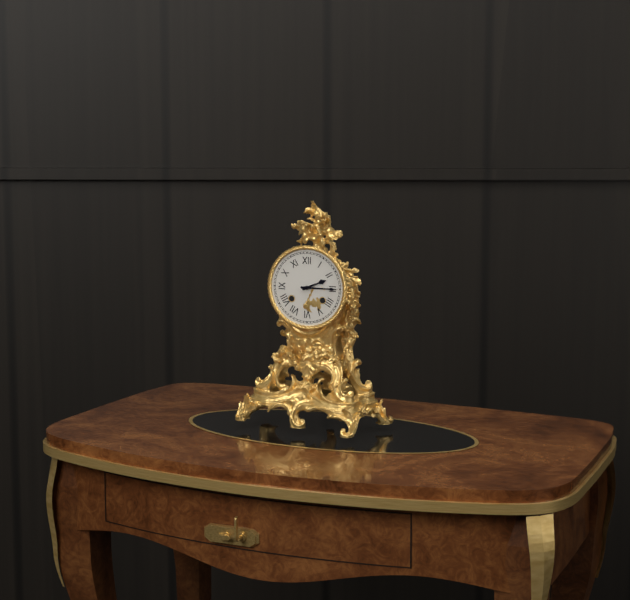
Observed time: 2:15
